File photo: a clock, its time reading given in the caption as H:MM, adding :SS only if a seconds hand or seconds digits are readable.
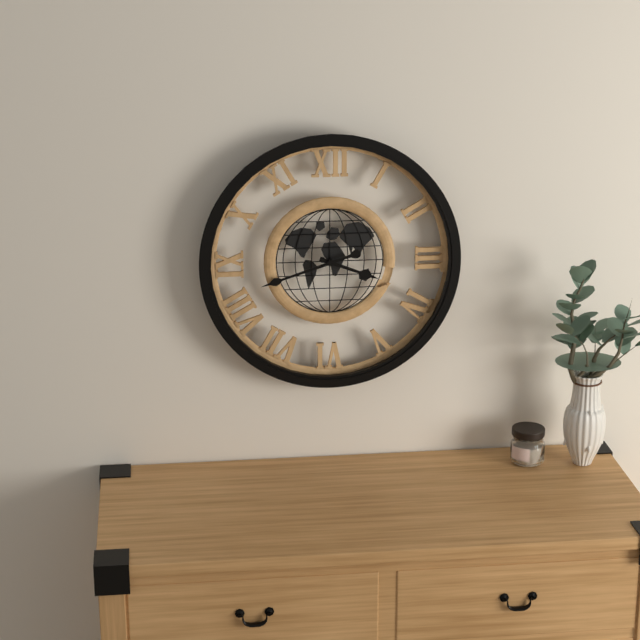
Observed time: 3:42
